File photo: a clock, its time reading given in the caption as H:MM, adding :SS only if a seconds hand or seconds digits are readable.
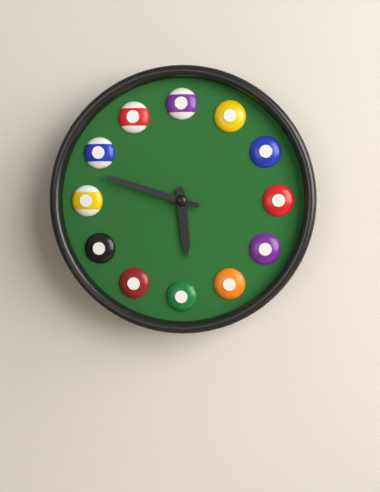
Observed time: 5:48
